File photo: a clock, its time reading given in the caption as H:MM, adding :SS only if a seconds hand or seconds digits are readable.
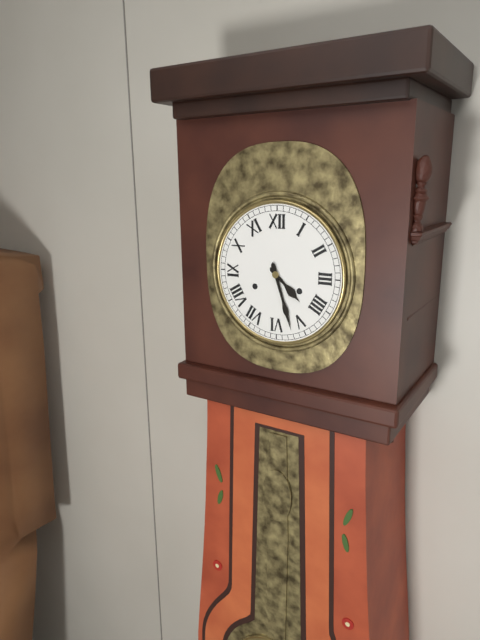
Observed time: 4:27
